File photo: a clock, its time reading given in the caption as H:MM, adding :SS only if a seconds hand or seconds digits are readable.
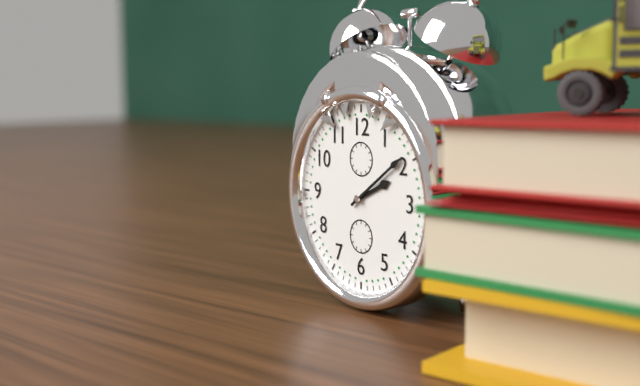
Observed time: 2:09
